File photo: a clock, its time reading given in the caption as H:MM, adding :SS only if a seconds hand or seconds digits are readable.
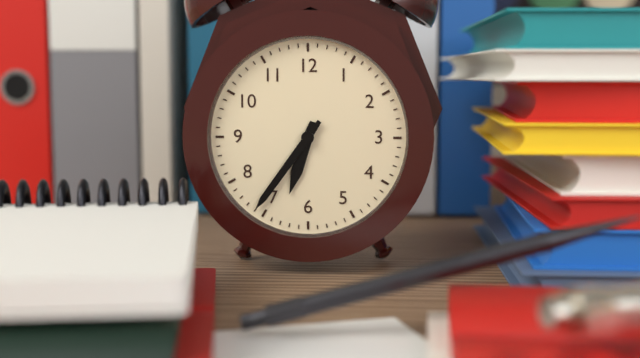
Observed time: 6:36
